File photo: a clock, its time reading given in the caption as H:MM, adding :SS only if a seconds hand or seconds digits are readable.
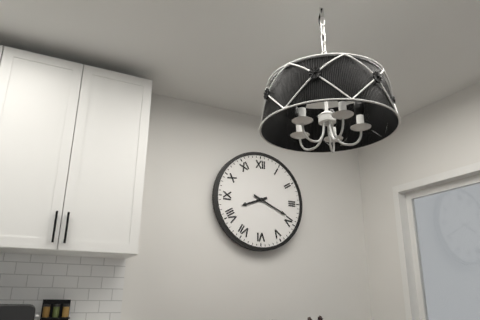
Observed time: 8:19
